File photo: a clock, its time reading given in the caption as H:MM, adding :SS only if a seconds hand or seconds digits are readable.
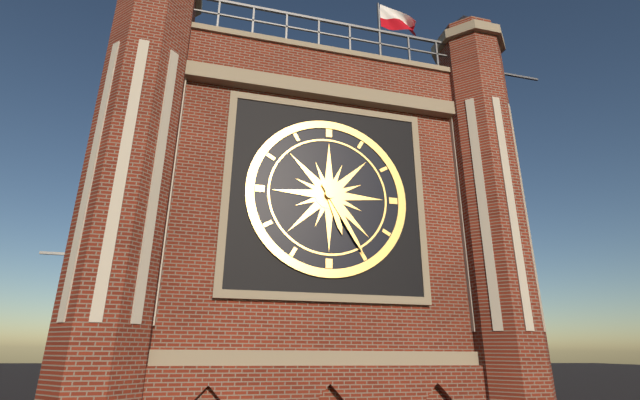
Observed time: 5:25
